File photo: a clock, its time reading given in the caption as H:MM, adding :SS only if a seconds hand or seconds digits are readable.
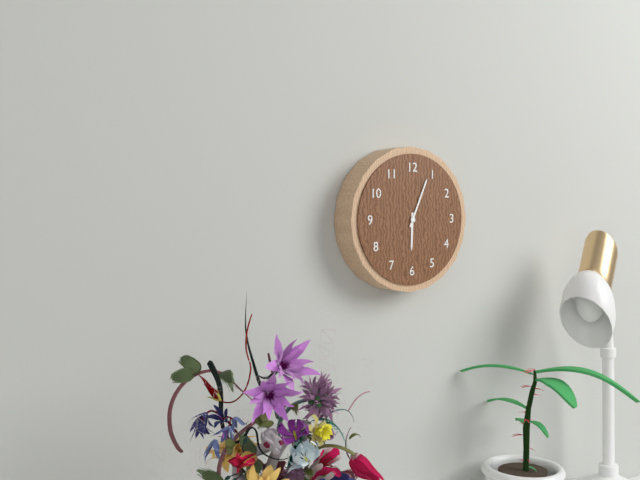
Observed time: 6:04
